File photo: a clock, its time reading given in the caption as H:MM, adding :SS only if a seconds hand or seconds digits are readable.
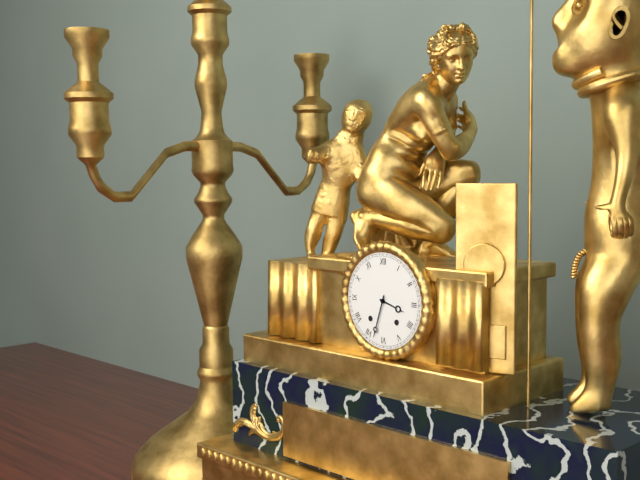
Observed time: 3:33
